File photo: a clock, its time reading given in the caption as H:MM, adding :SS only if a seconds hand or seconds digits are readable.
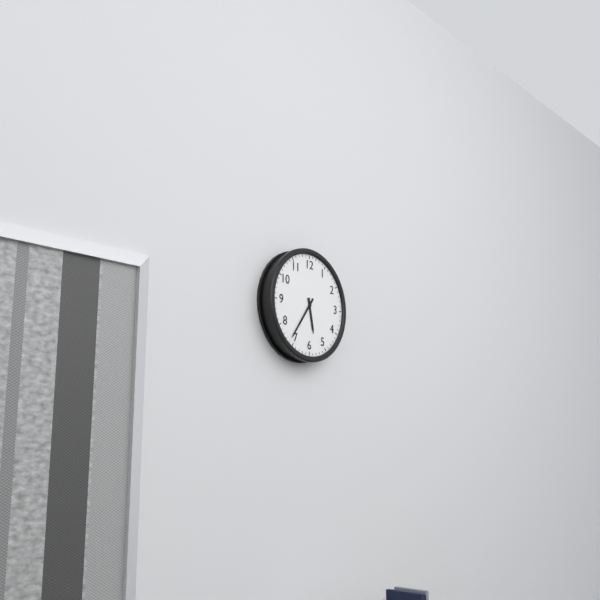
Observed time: 5:36
